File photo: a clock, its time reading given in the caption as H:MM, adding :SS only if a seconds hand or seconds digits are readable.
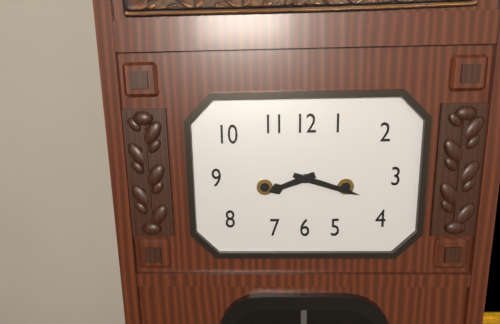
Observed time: 8:18
